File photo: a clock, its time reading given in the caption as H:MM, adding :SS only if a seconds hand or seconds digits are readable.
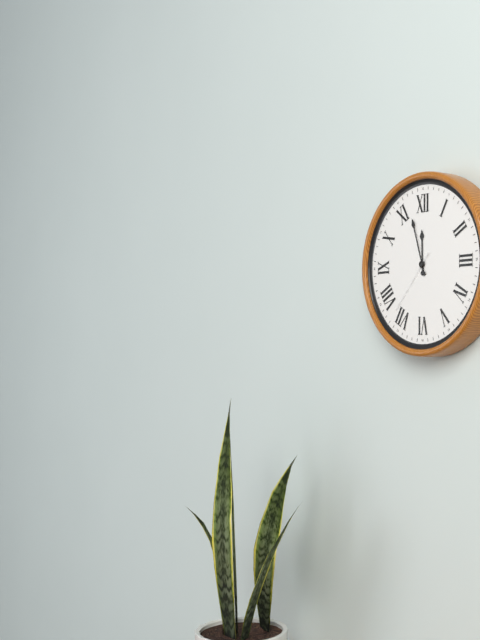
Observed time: 11:57:37
